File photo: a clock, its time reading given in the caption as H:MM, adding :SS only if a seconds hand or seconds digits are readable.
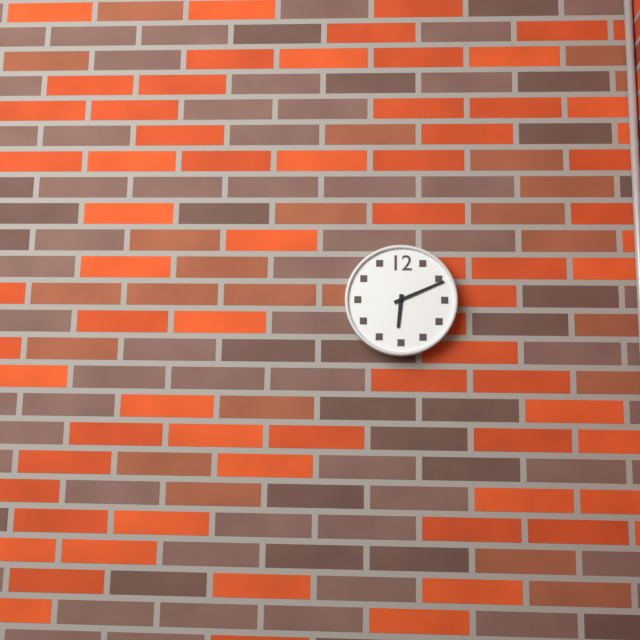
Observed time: 6:11
